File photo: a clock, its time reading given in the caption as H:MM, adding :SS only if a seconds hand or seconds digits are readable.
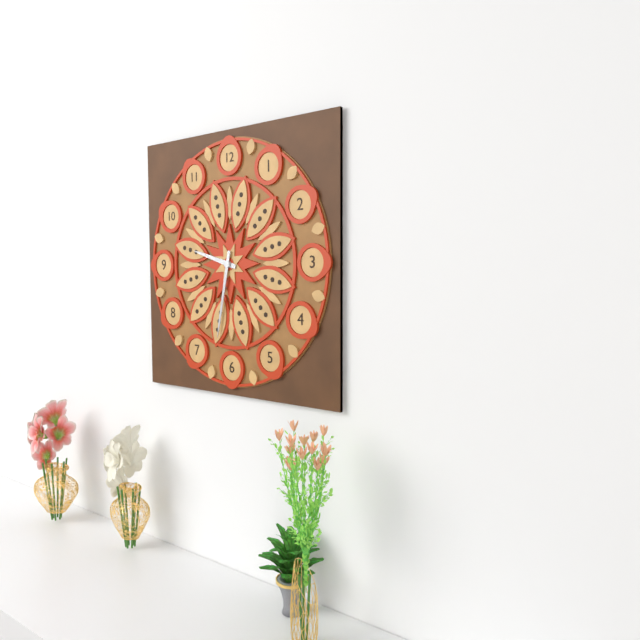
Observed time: 9:32
